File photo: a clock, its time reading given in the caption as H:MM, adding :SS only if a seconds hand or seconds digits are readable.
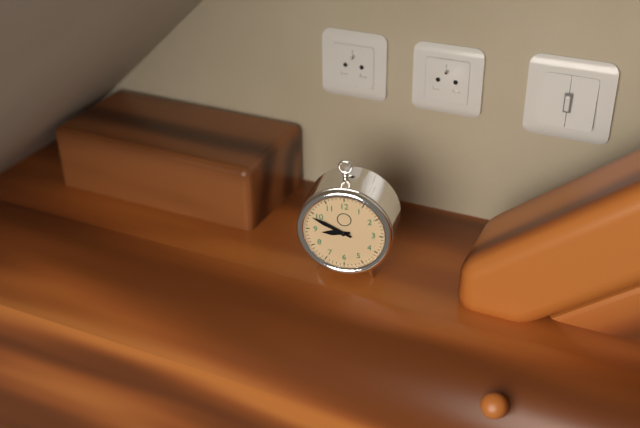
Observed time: 8:49
